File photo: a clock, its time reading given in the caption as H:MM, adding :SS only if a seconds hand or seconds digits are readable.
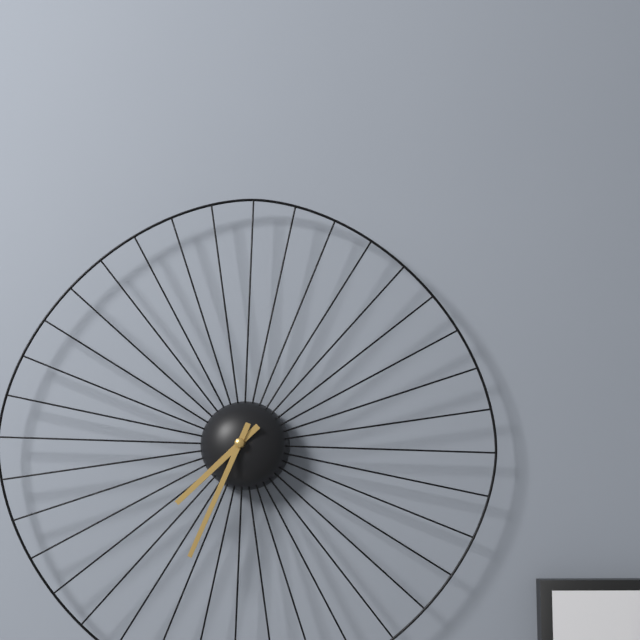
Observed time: 7:34
